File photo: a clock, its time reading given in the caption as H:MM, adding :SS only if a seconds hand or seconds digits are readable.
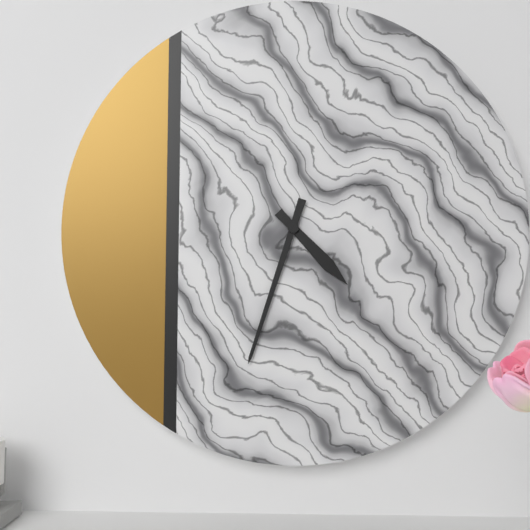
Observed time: 4:33
